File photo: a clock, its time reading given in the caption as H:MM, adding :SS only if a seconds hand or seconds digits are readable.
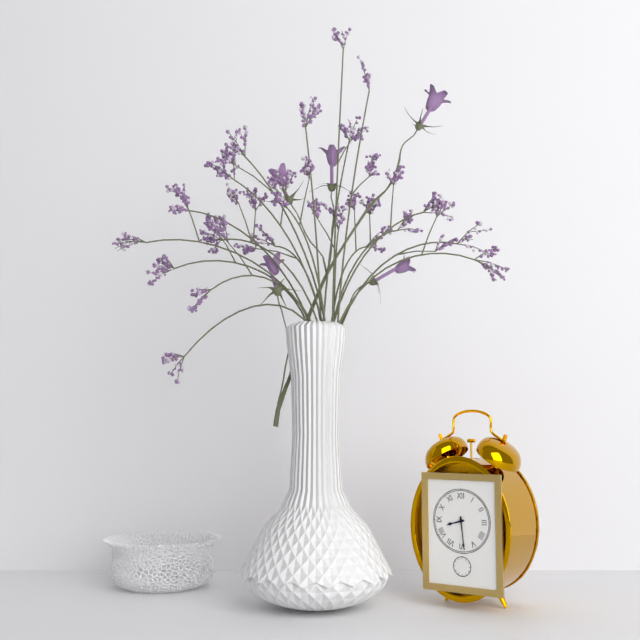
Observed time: 8:29
